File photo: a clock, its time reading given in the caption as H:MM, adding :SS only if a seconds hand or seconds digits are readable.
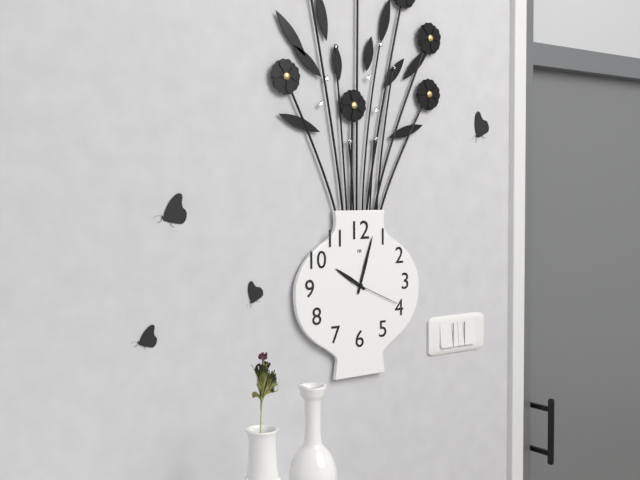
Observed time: 10:03:19
